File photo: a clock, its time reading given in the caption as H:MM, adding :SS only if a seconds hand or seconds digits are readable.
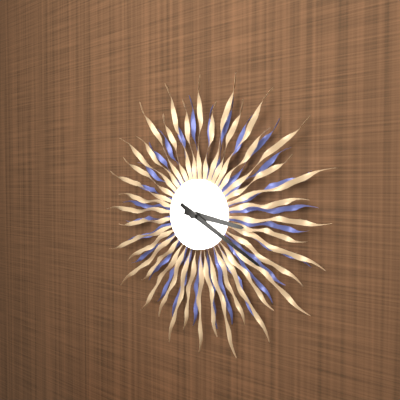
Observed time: 3:20
